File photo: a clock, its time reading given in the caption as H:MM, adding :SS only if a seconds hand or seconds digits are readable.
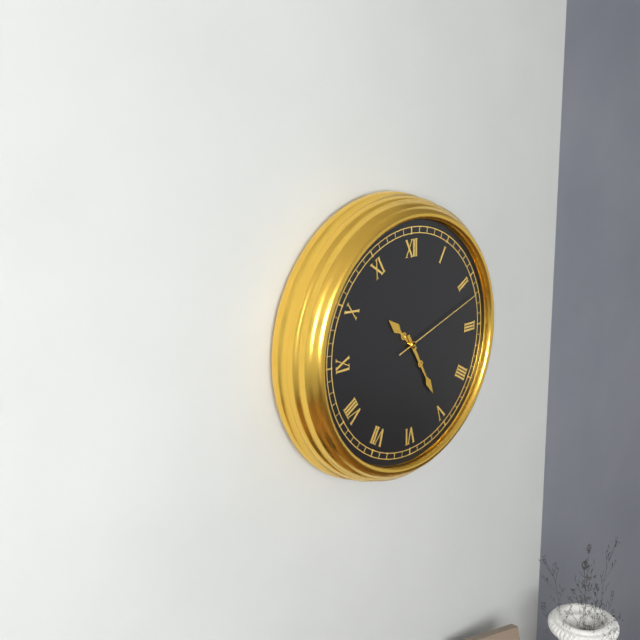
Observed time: 10:25:12
